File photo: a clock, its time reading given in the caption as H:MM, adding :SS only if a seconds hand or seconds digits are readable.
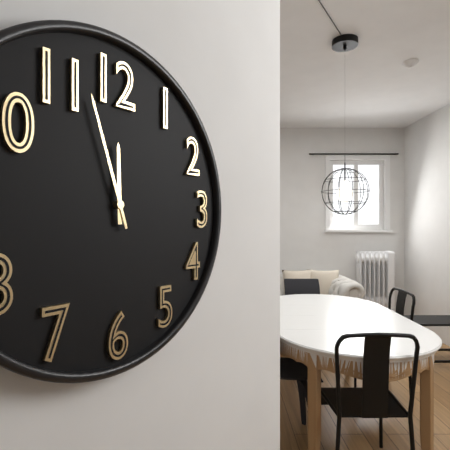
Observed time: 11:57
